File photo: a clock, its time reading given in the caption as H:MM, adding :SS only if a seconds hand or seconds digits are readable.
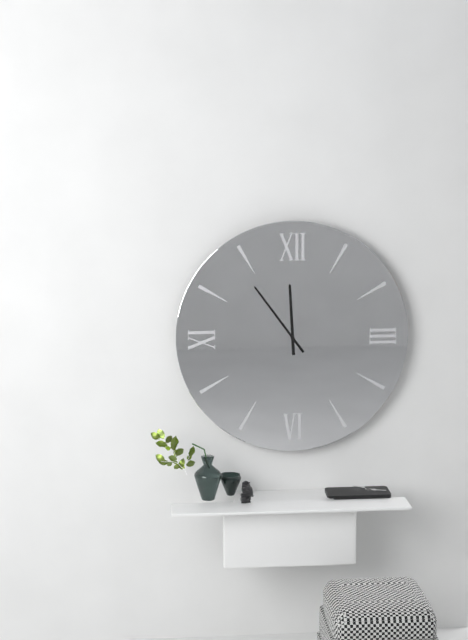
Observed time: 11:54
